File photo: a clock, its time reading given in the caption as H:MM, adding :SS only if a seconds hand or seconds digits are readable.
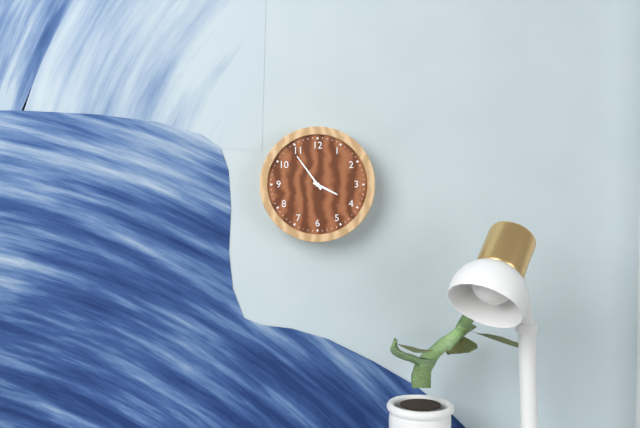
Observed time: 3:54
